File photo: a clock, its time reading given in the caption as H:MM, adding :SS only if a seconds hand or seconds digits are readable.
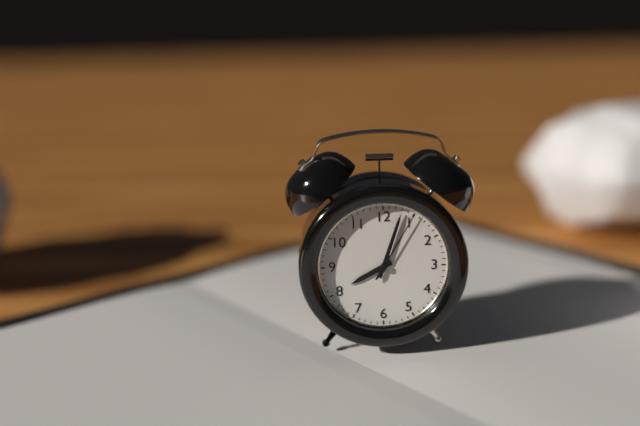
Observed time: 8:03:05
